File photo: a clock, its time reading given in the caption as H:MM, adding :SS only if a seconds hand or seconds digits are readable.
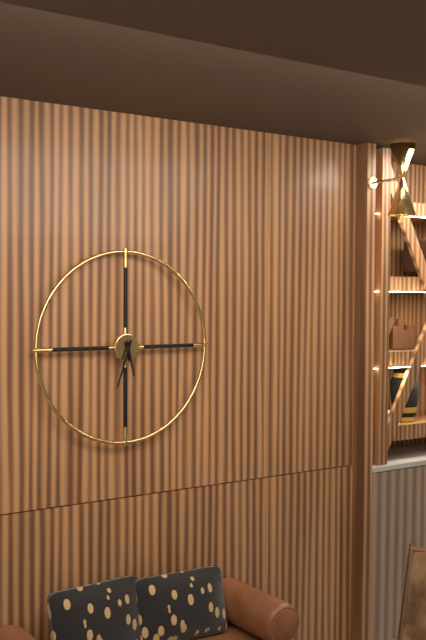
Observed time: 5:33
